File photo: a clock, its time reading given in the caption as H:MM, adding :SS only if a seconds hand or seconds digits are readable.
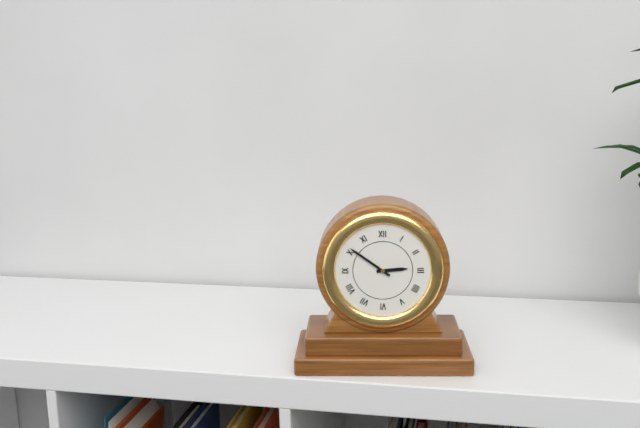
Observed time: 2:51
